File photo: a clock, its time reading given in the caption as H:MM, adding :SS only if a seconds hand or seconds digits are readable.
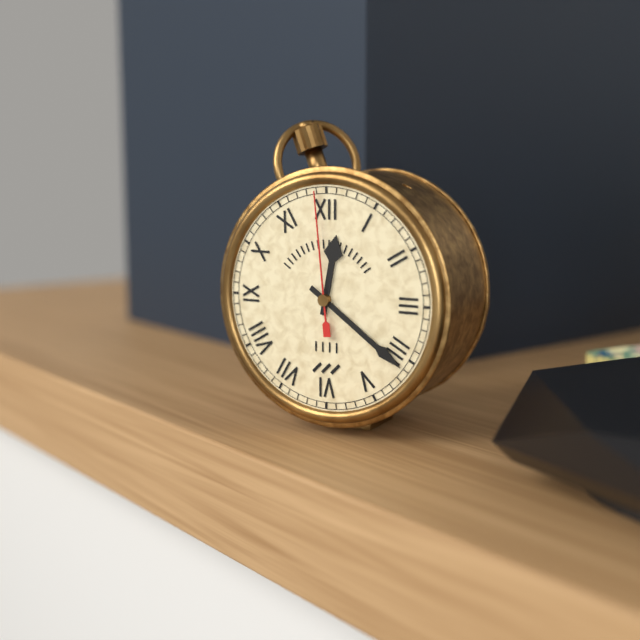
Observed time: 12:21:59
